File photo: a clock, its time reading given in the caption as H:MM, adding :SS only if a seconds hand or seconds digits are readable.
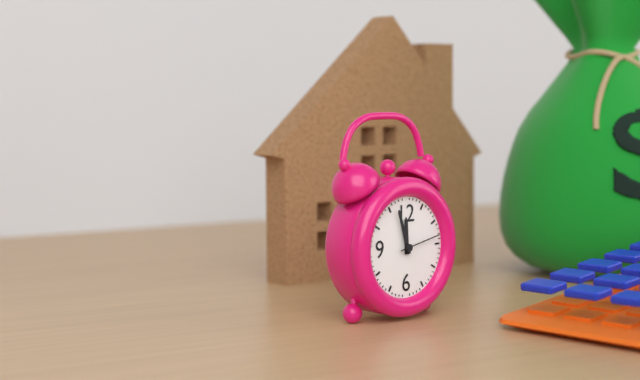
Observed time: 11:57
